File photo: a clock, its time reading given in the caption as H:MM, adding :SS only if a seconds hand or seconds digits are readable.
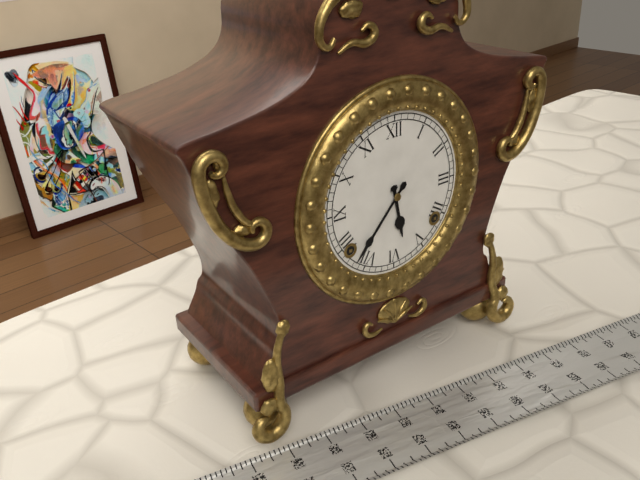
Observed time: 5:37
